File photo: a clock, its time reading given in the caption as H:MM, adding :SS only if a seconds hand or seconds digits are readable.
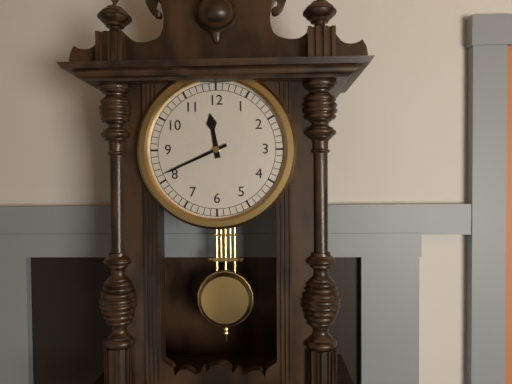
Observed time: 11:41
